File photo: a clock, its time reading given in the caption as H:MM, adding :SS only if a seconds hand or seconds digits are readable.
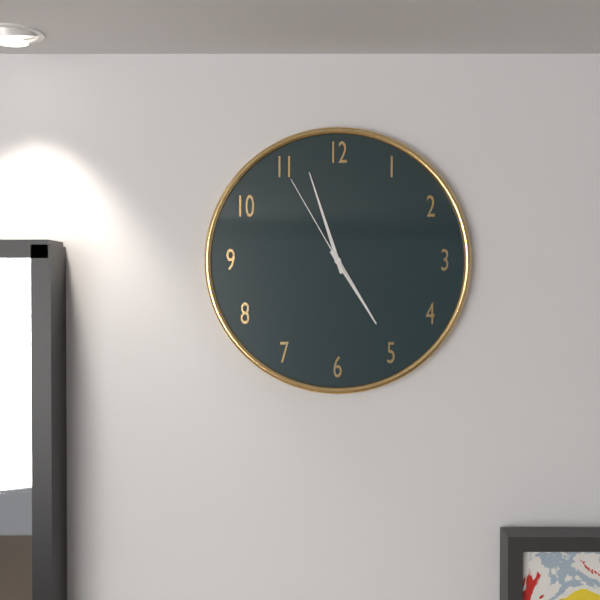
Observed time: 4:57:55
